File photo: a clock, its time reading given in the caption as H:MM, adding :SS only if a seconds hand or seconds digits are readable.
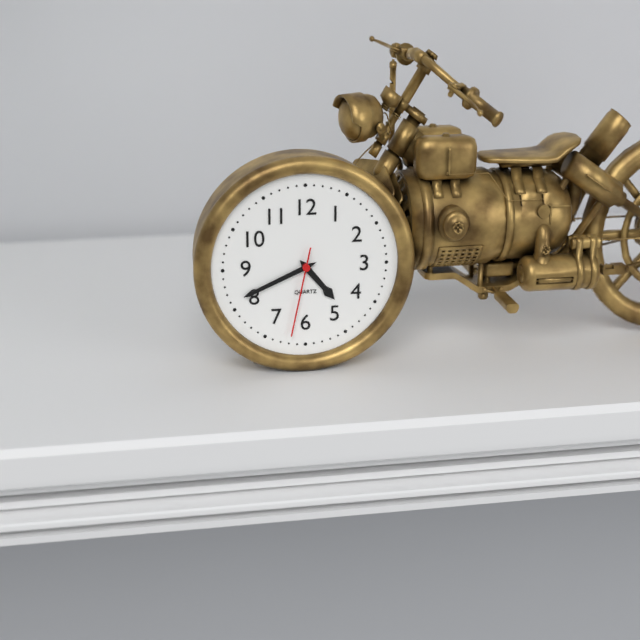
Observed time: 4:41:32
